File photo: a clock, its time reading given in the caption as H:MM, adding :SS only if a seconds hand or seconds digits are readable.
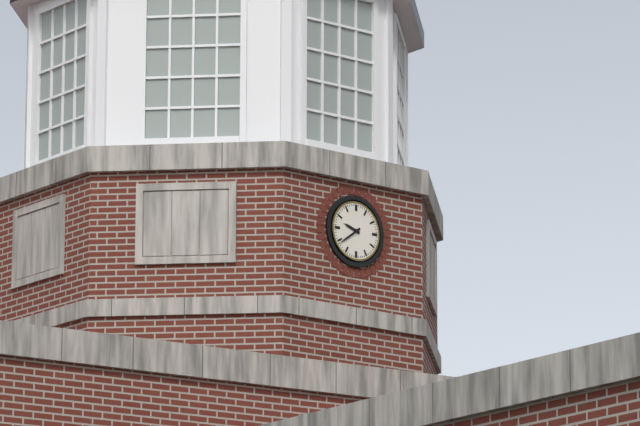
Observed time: 9:39
